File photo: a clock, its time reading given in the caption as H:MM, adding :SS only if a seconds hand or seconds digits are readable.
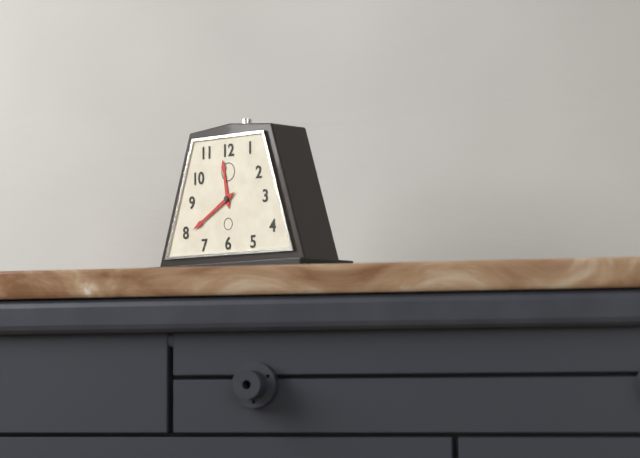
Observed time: 11:40
